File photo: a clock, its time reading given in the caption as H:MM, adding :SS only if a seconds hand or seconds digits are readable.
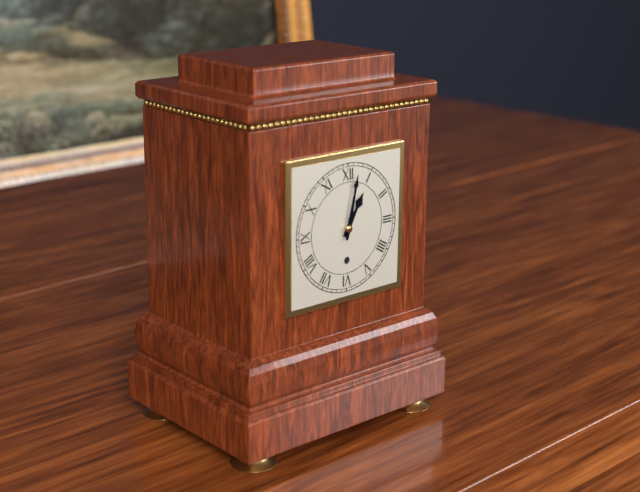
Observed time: 1:02
